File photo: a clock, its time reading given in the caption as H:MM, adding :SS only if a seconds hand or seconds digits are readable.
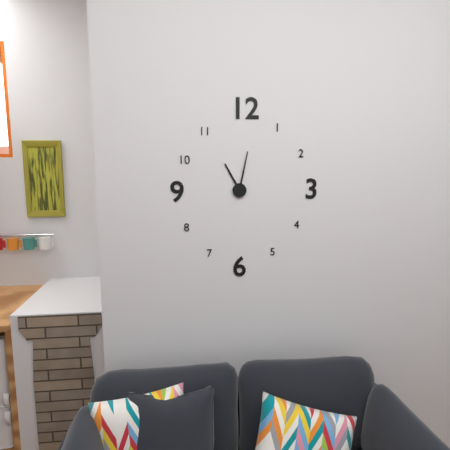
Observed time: 11:02
